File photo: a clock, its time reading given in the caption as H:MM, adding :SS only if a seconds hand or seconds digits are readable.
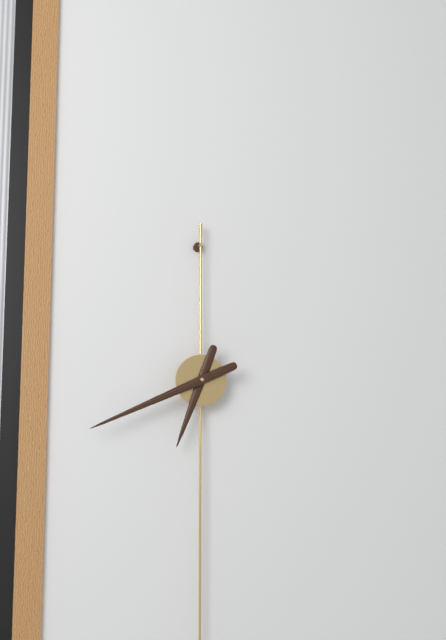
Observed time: 6:41
